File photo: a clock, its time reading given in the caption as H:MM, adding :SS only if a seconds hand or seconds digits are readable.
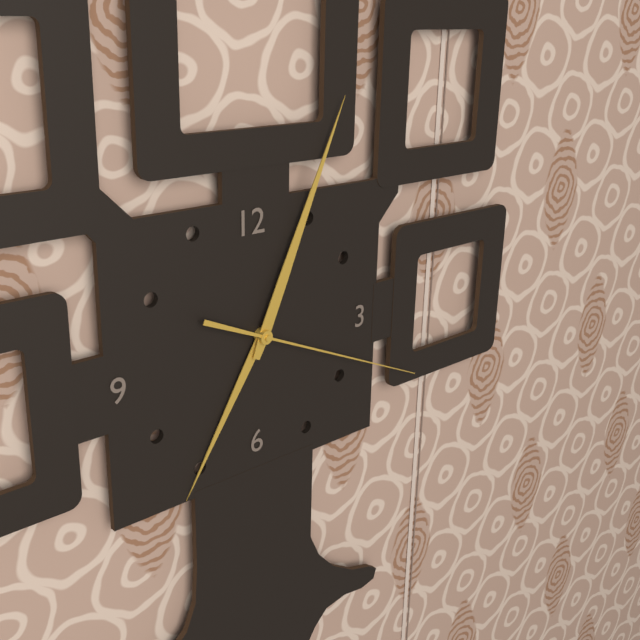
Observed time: 7:04:19
